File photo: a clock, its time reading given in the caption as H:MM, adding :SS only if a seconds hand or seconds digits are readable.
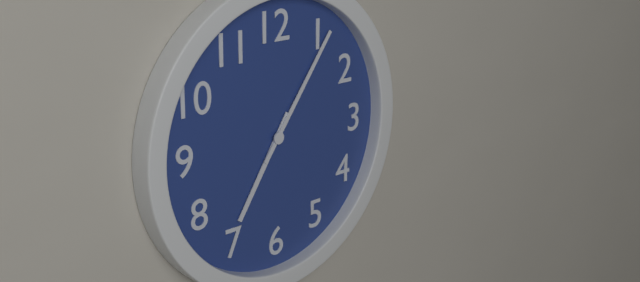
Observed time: 7:06
